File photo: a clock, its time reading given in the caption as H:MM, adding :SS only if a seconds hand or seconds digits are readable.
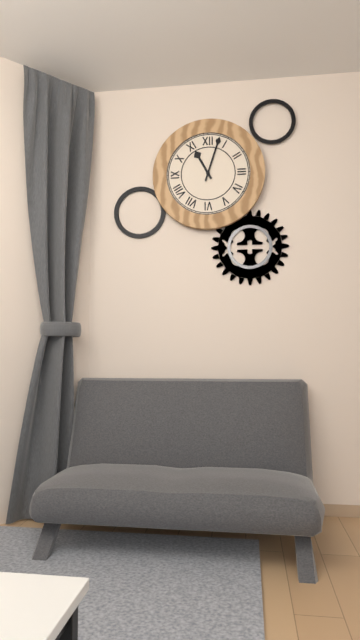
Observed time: 11:03
